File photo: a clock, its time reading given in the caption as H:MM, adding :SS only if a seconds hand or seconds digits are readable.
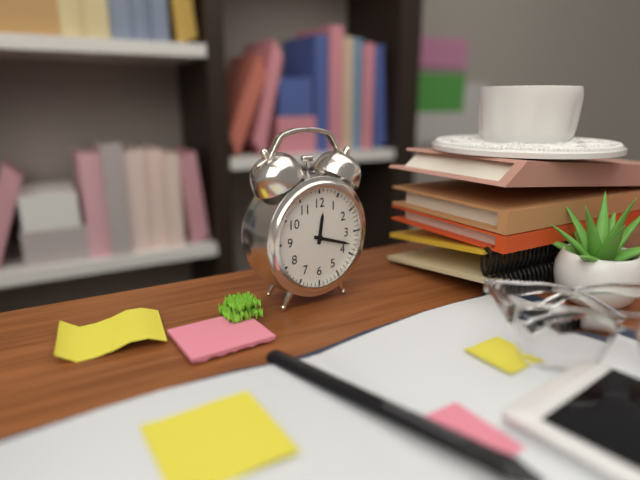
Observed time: 12:18
